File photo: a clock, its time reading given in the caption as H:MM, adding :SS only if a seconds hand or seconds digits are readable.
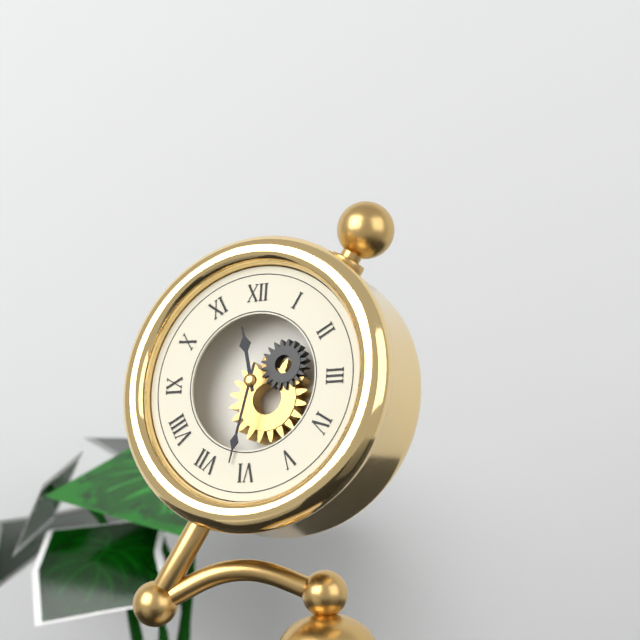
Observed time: 11:32
